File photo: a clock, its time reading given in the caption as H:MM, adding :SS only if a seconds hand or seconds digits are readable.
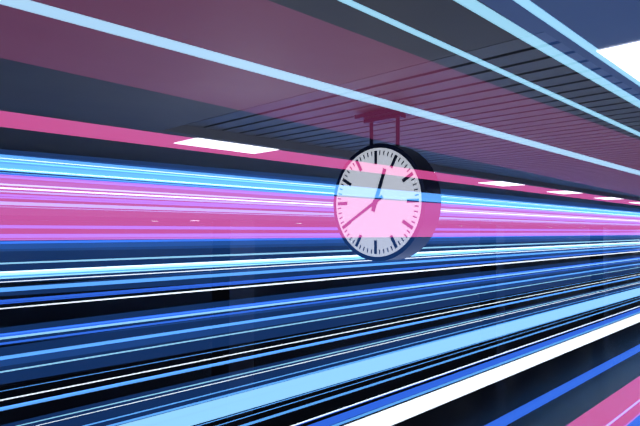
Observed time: 12:40
